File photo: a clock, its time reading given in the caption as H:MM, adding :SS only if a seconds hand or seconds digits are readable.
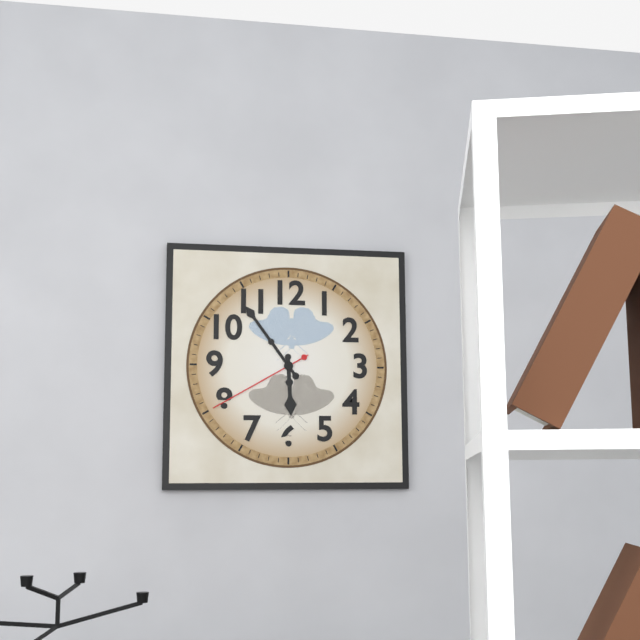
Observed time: 5:54:40
